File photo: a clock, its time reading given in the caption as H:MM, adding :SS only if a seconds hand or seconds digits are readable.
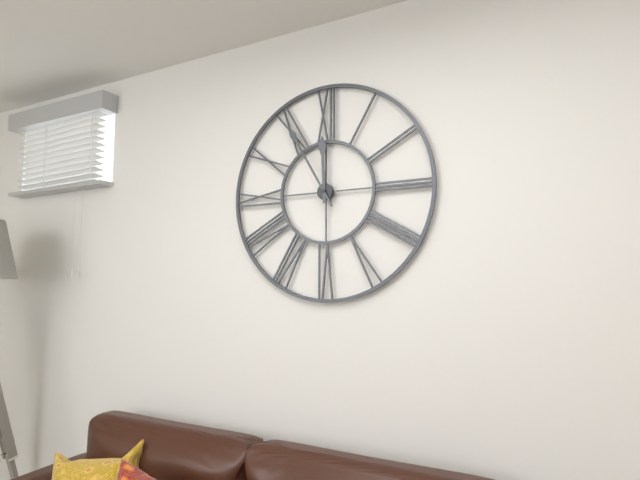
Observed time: 11:55
